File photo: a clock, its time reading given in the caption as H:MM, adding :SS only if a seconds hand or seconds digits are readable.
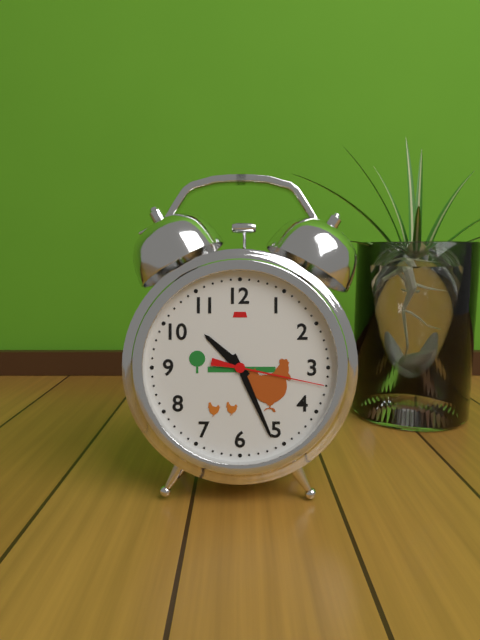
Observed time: 10:26:17
